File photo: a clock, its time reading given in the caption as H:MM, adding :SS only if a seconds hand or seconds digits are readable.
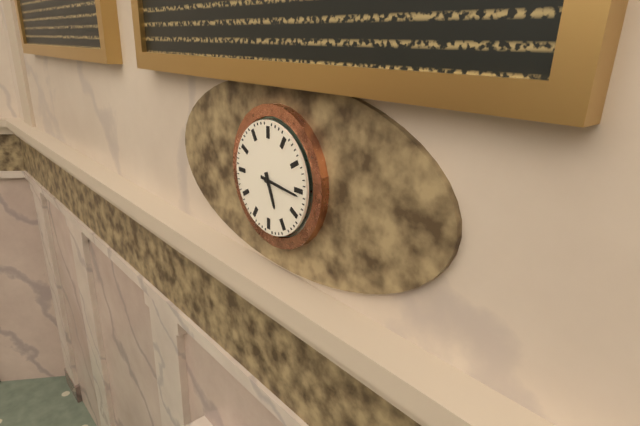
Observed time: 5:16
